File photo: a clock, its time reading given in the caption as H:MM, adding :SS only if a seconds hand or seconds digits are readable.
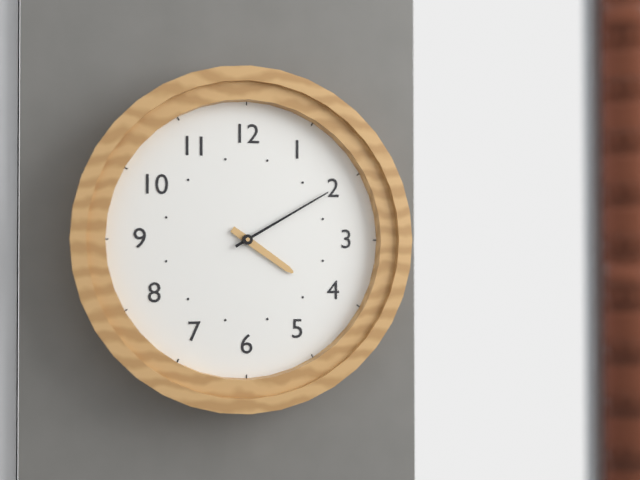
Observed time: 4:10
